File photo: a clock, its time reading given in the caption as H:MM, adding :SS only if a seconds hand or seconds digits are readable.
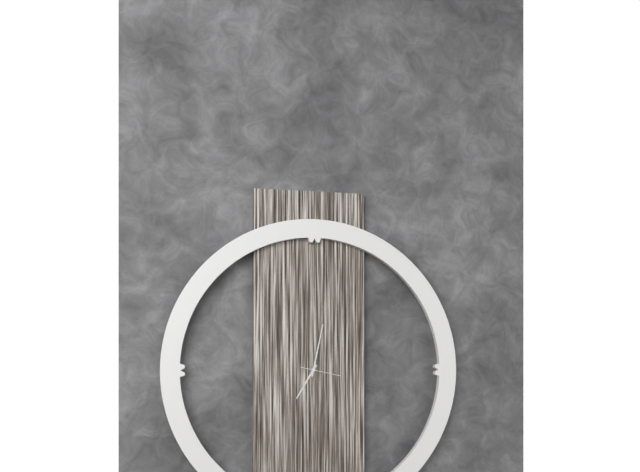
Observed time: 7:02
